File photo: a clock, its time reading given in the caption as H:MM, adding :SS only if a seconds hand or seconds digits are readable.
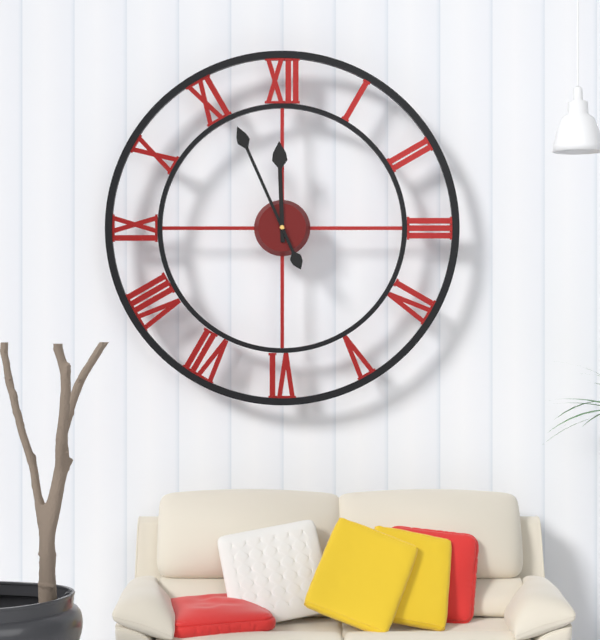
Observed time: 11:56
